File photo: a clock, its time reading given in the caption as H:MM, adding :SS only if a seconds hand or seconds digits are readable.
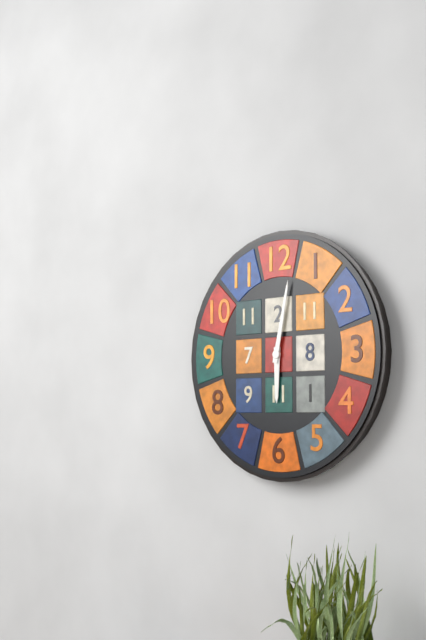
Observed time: 6:02
